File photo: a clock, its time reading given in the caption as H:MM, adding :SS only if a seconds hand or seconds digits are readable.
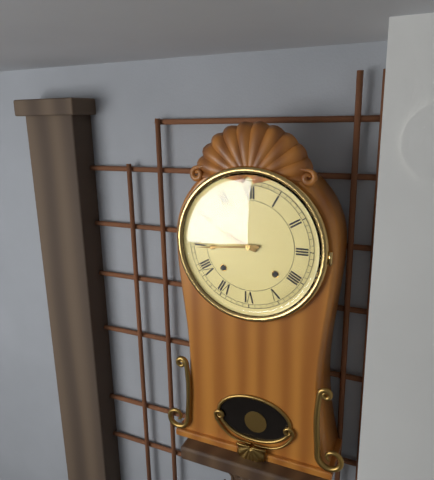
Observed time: 9:44
